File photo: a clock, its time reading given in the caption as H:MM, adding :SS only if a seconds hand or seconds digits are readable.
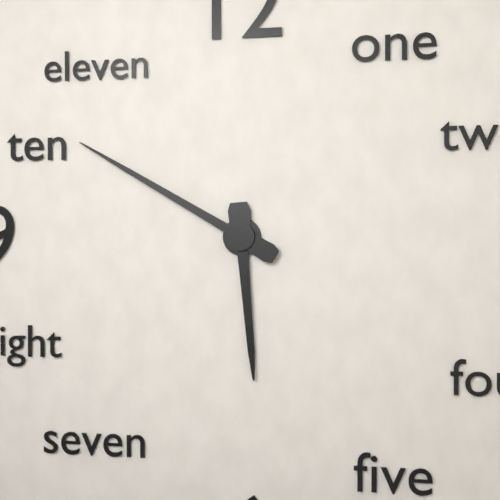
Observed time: 5:50
